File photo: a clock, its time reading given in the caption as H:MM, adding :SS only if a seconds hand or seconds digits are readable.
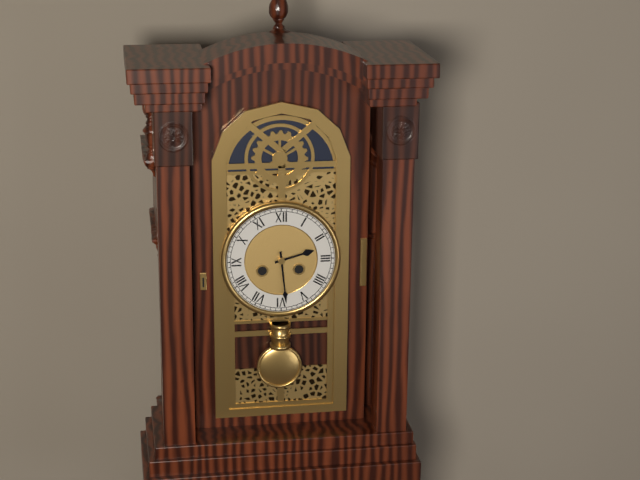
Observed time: 2:29
